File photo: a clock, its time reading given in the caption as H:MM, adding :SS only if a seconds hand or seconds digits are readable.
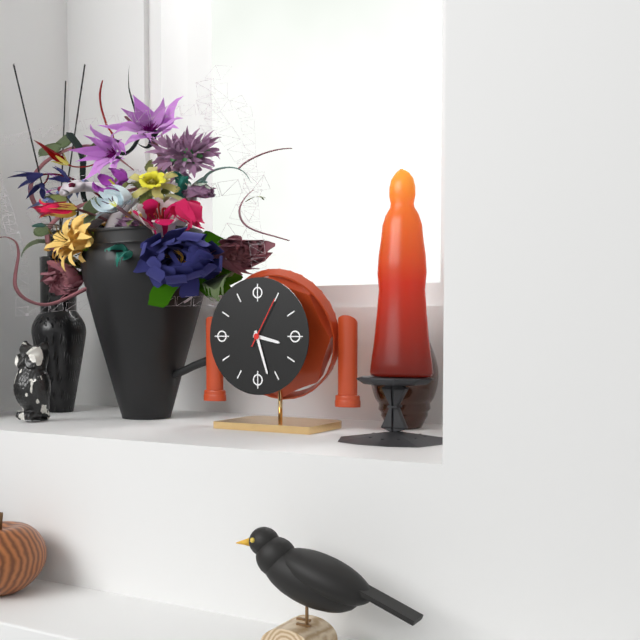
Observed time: 3:27:05
